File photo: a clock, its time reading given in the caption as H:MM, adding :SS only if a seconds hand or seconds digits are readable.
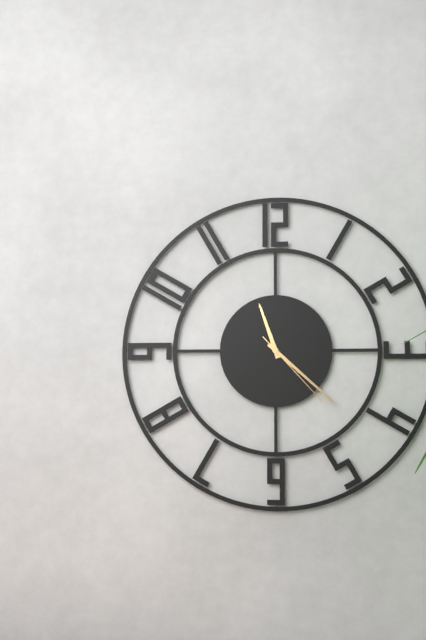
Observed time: 11:22:23
